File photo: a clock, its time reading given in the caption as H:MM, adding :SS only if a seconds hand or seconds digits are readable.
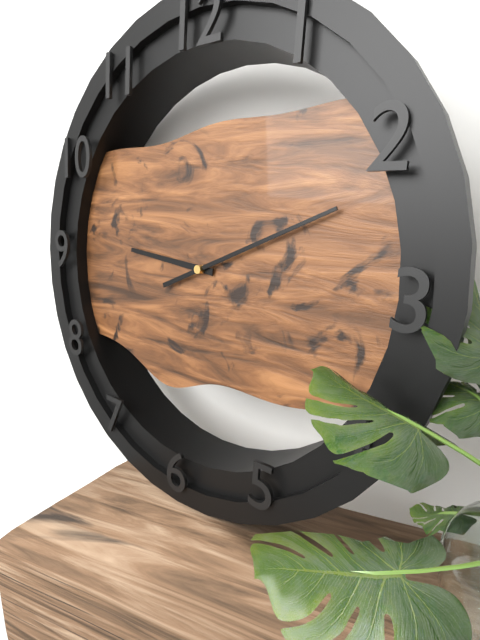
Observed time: 9:11
